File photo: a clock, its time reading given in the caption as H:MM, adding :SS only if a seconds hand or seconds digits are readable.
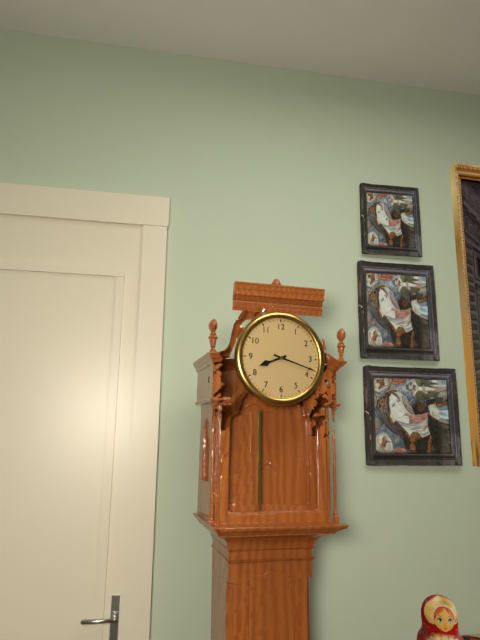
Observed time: 8:18
